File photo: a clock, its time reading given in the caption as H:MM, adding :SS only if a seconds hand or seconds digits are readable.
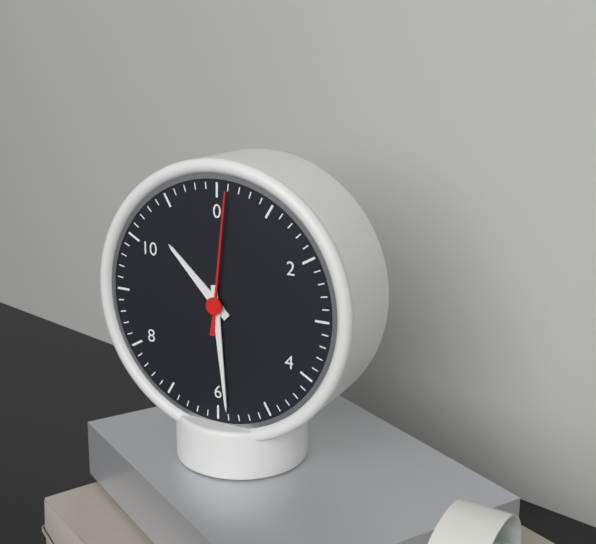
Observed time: 10:29:01
